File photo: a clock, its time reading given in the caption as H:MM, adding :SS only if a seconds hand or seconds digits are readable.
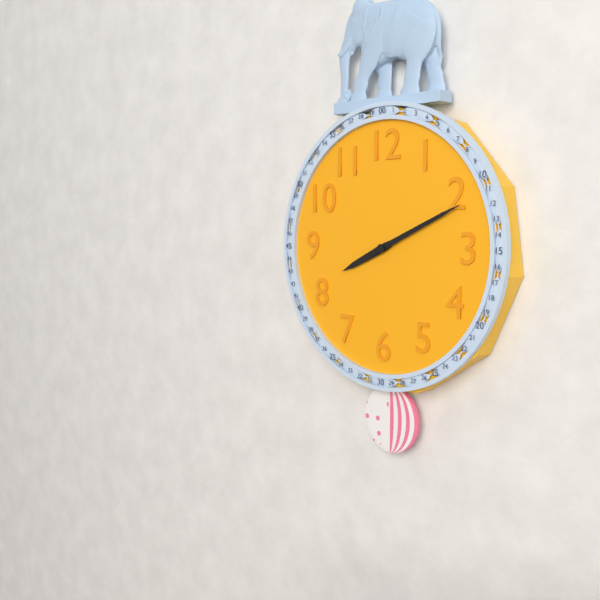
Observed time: 8:11
